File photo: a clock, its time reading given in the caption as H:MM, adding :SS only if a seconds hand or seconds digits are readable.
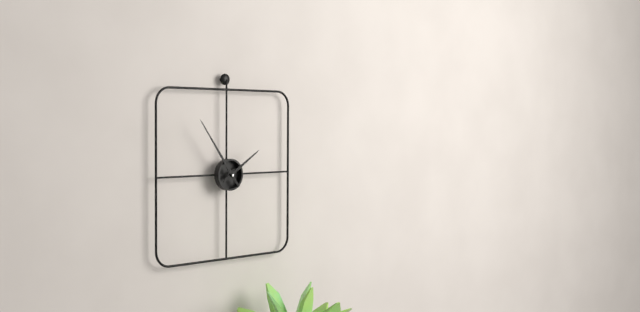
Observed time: 1:54
